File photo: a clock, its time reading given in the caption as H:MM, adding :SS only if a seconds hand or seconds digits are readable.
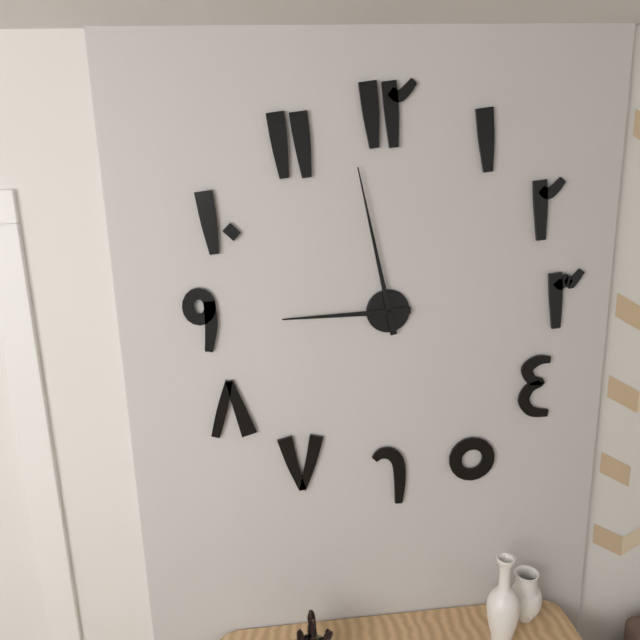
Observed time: 8:58
